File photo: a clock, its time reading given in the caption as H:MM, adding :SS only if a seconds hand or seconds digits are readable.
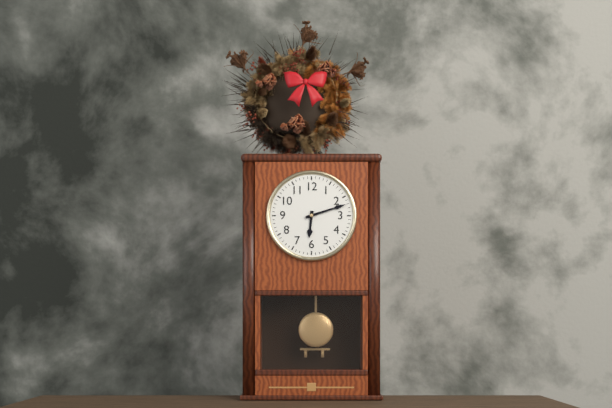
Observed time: 6:12
